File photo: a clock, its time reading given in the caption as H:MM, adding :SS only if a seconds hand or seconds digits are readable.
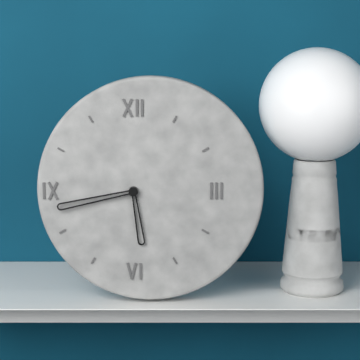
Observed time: 5:43
